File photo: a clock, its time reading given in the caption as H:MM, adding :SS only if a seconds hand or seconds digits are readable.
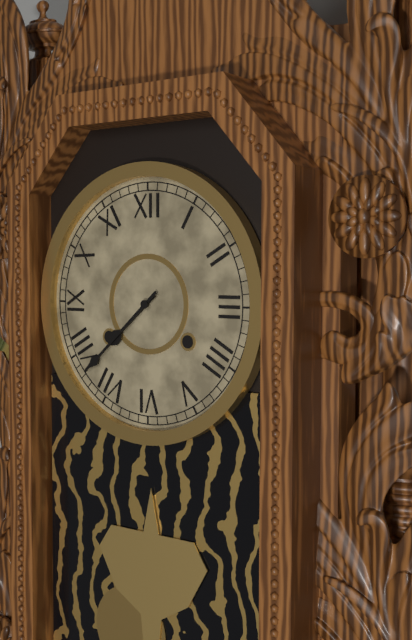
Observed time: 7:38
